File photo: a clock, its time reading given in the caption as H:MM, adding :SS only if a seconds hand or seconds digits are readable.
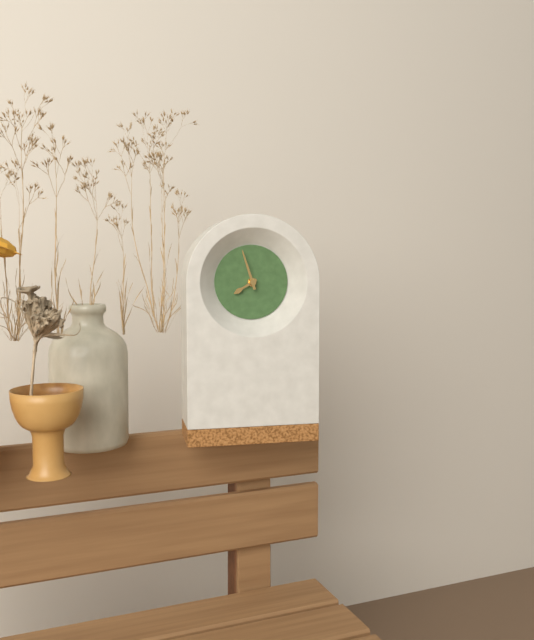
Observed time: 7:57
